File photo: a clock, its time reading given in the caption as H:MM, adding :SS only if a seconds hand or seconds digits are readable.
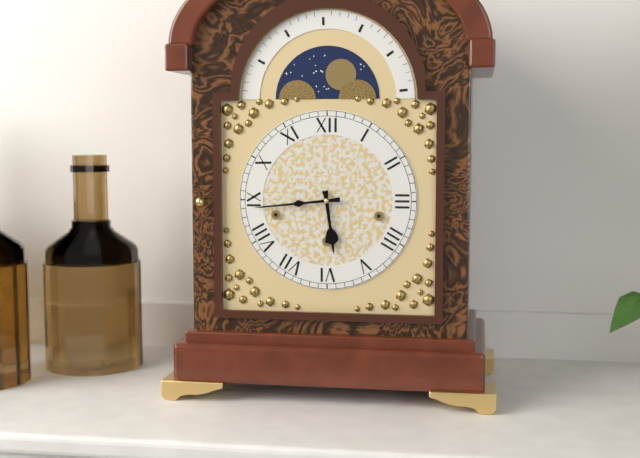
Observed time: 5:44
